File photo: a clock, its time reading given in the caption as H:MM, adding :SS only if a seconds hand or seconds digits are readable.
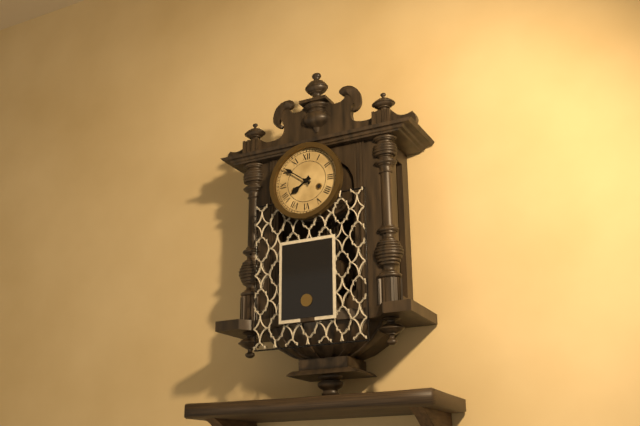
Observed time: 7:51
